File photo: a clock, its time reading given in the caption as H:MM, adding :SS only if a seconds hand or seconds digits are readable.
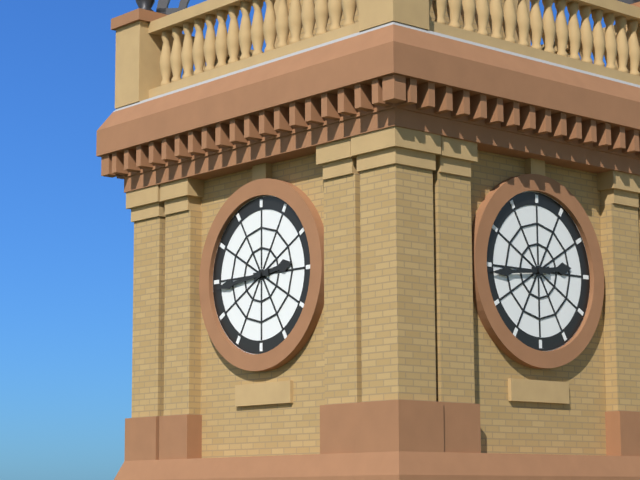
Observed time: 2:44
